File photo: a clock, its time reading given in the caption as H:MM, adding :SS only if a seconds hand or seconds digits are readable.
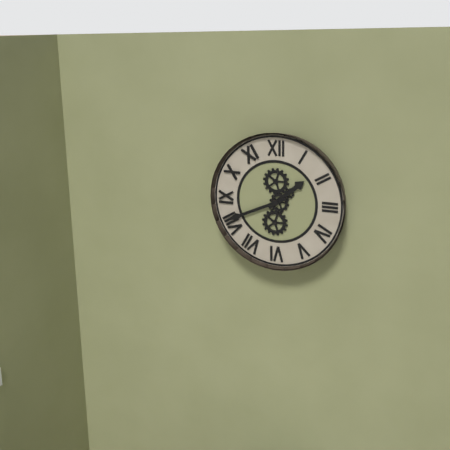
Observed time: 1:41
